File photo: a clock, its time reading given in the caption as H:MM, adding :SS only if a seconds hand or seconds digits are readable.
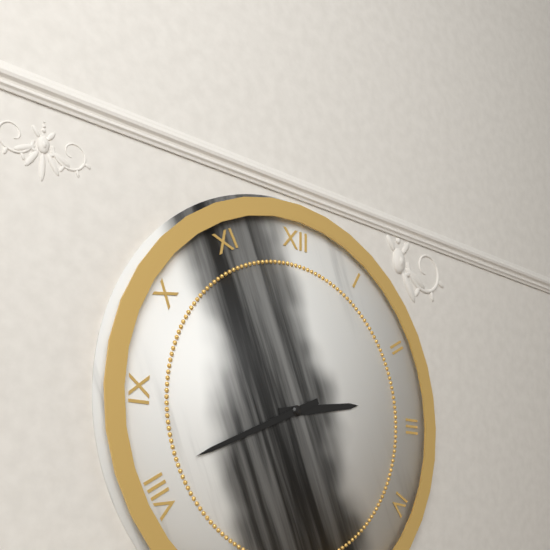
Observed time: 2:41
